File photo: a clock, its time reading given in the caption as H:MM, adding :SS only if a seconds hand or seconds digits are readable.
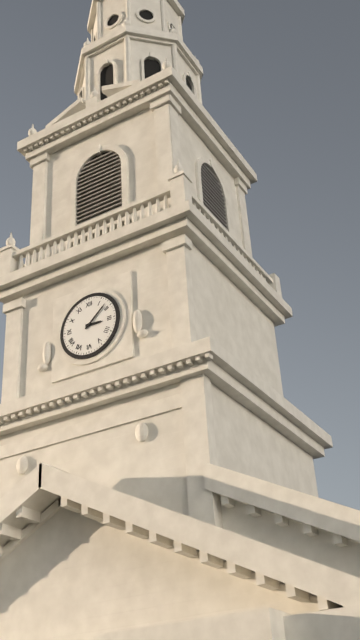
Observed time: 3:08
